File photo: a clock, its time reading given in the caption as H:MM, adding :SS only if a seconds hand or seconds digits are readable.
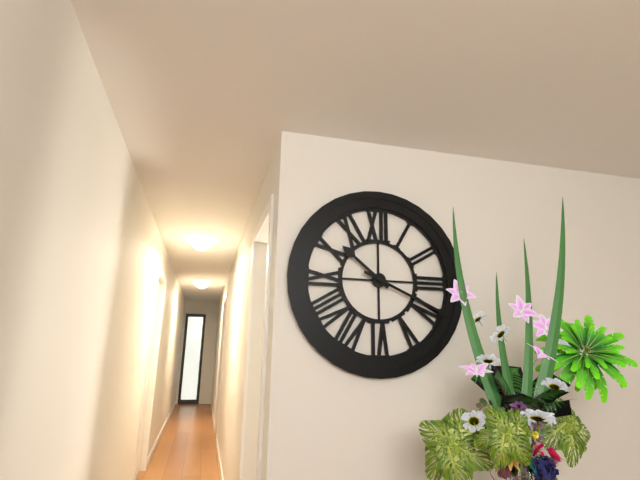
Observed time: 10:19
